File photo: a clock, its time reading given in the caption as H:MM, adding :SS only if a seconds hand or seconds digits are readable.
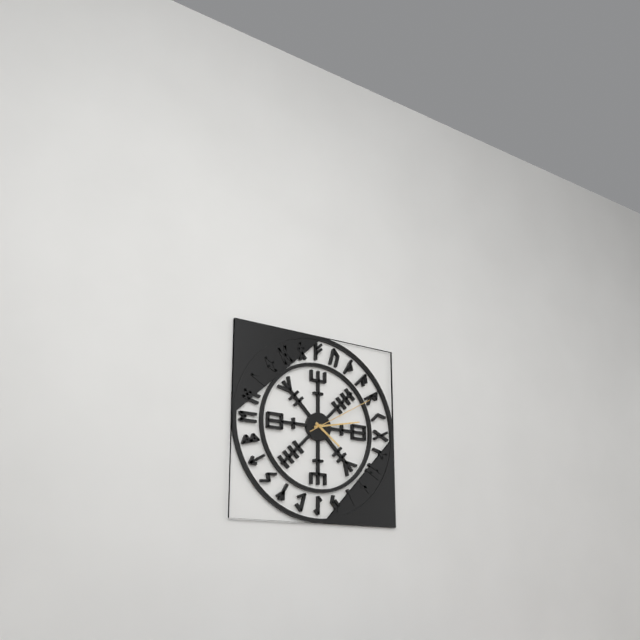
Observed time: 4:13:10
